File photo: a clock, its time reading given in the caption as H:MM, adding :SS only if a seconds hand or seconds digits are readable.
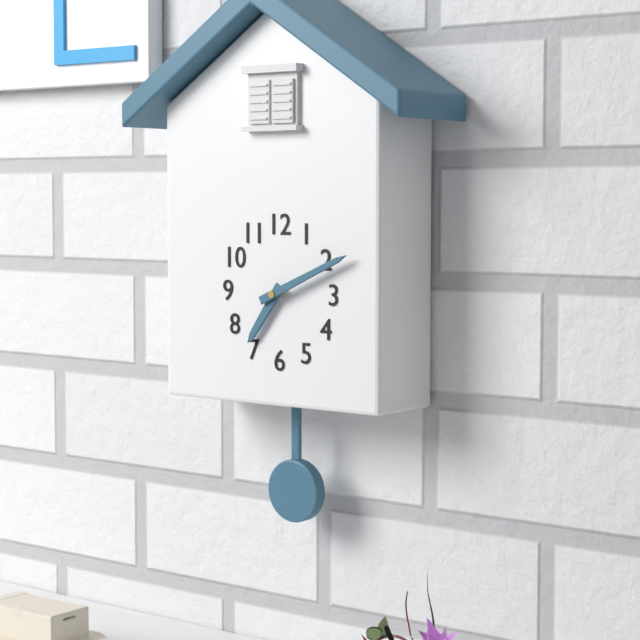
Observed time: 7:11
